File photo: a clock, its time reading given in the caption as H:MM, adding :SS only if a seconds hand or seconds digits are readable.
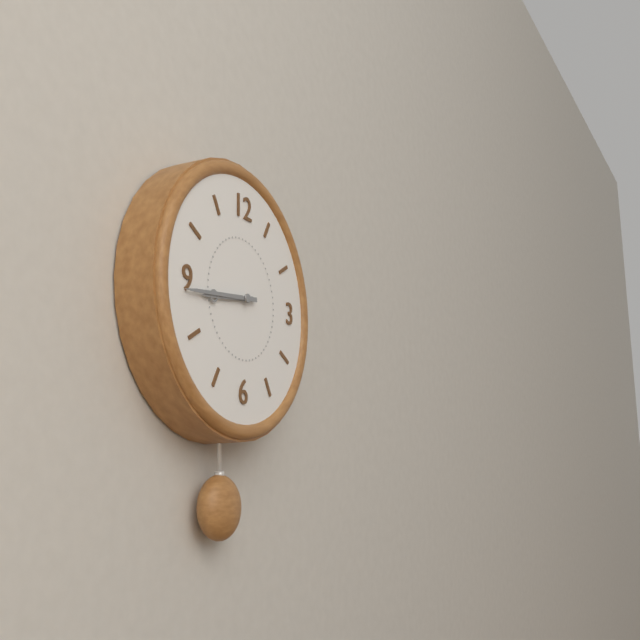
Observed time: 8:44
